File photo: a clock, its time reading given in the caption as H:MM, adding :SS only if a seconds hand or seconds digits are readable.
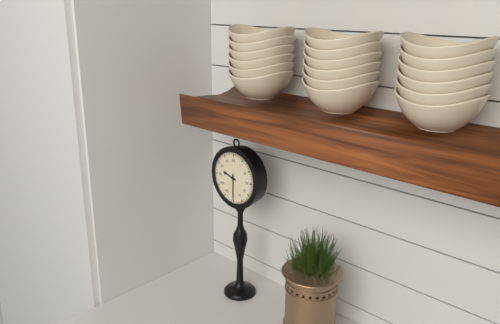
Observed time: 9:30
